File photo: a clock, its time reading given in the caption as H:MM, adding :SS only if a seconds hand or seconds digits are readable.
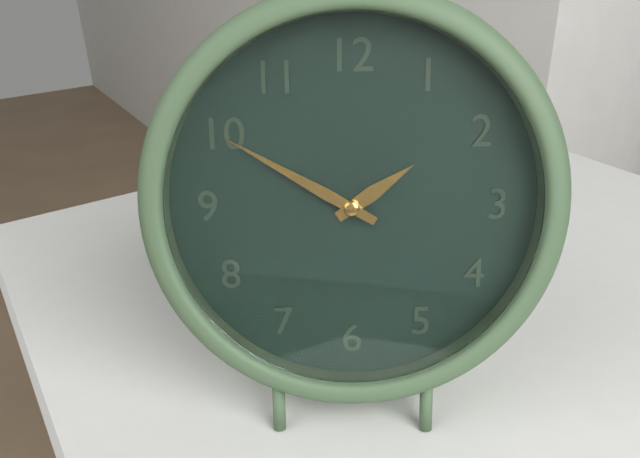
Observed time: 1:50
